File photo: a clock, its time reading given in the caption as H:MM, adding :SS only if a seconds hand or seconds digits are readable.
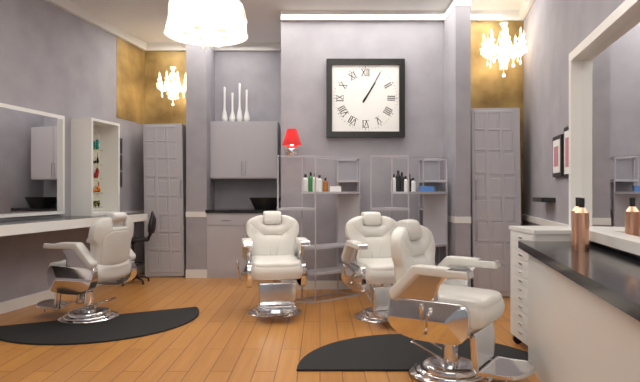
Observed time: 1:05
